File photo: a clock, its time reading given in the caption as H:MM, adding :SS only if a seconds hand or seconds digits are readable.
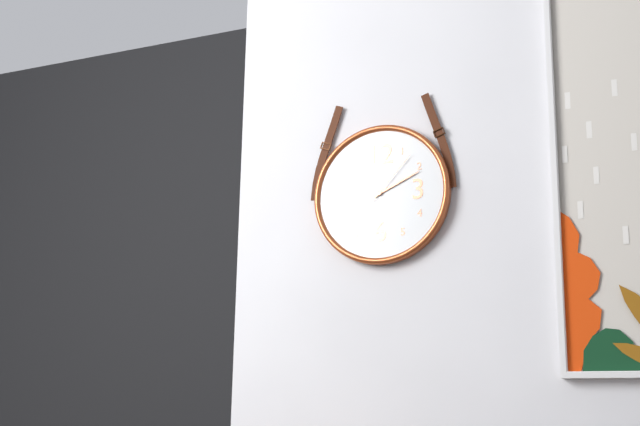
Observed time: 2:11:07
